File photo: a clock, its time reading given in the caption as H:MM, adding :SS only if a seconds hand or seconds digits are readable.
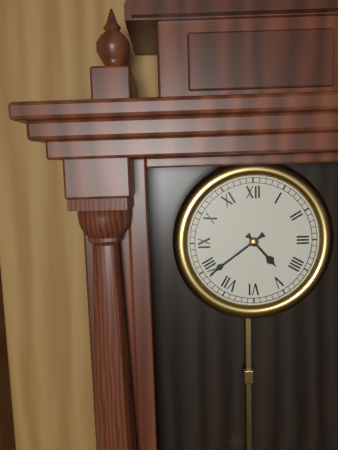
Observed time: 4:39
